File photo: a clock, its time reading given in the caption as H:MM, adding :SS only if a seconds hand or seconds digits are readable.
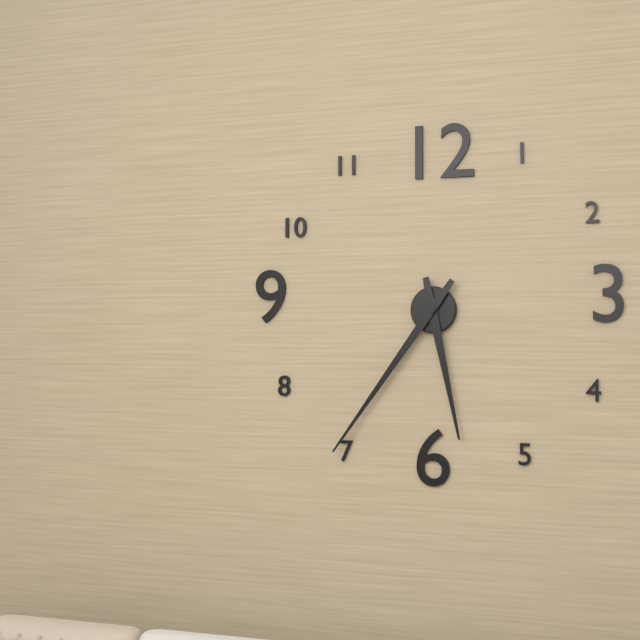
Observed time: 5:36
